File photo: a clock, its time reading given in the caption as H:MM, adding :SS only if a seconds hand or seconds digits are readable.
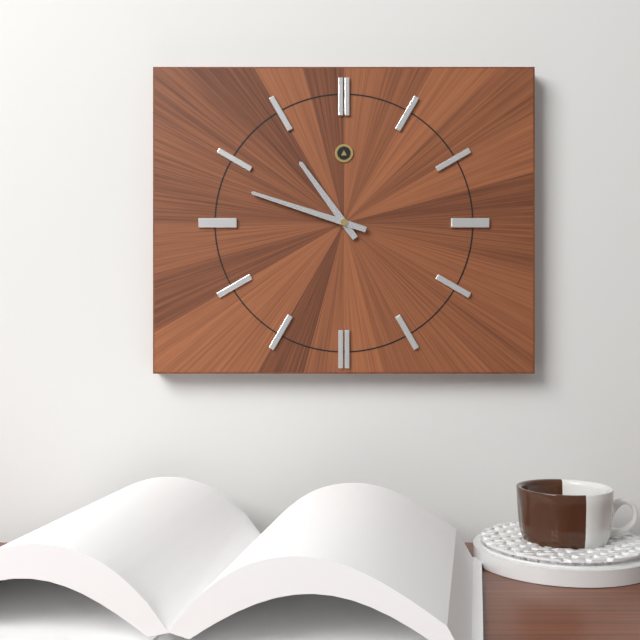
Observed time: 10:48
